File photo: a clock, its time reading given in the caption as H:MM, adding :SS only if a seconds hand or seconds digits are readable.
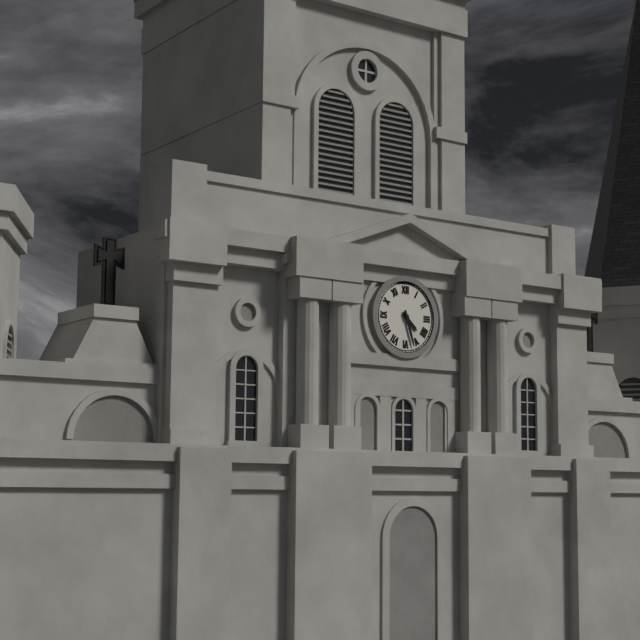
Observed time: 4:27
